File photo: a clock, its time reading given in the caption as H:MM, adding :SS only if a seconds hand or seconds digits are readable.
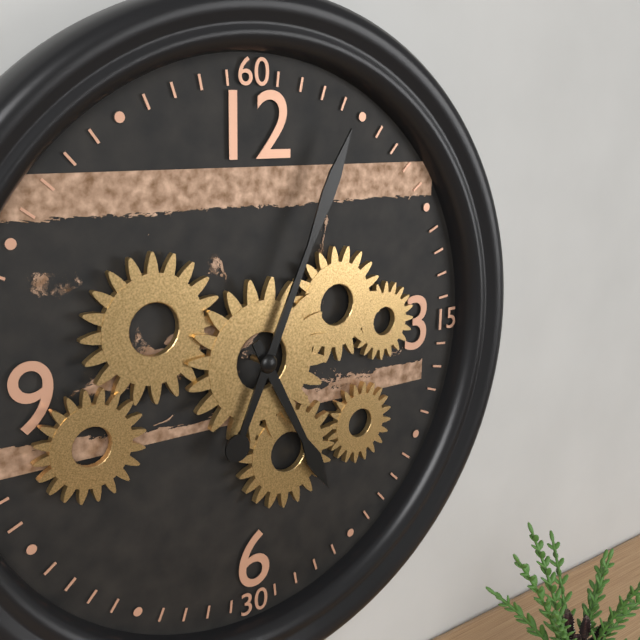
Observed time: 5:04
